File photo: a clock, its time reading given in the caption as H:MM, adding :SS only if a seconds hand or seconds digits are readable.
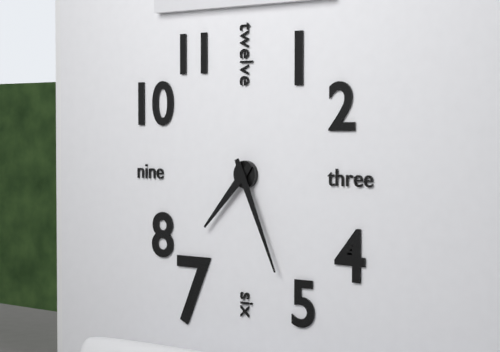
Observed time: 7:26
